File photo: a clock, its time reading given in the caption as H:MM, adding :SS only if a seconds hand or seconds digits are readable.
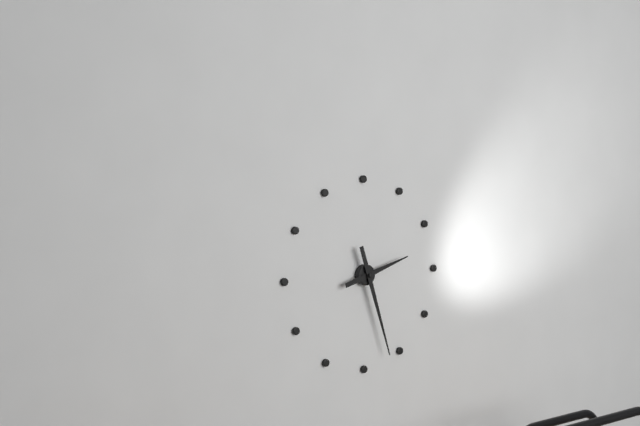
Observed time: 2:27
